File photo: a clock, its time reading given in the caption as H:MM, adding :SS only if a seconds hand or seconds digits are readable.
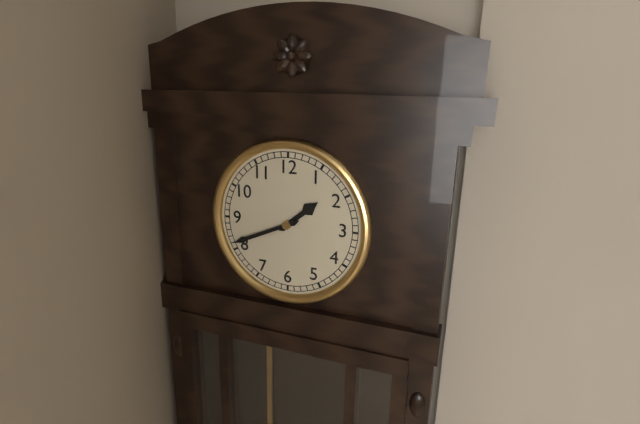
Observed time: 1:41
